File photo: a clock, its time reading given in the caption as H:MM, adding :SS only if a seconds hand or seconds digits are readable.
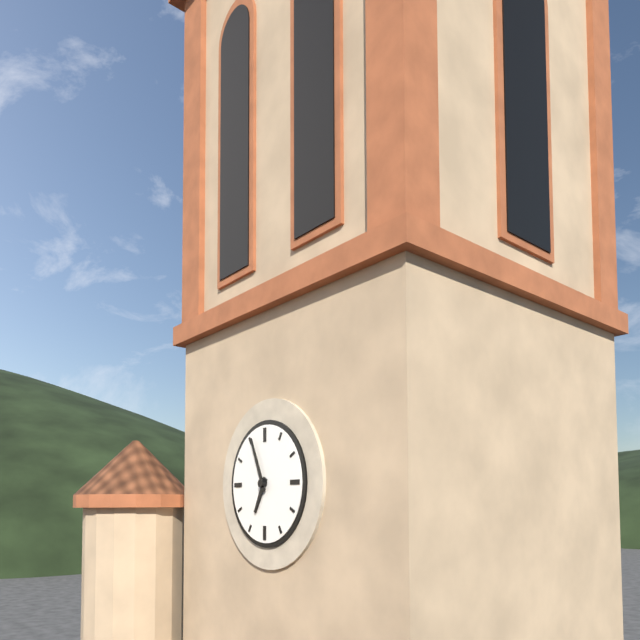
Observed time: 6:56
